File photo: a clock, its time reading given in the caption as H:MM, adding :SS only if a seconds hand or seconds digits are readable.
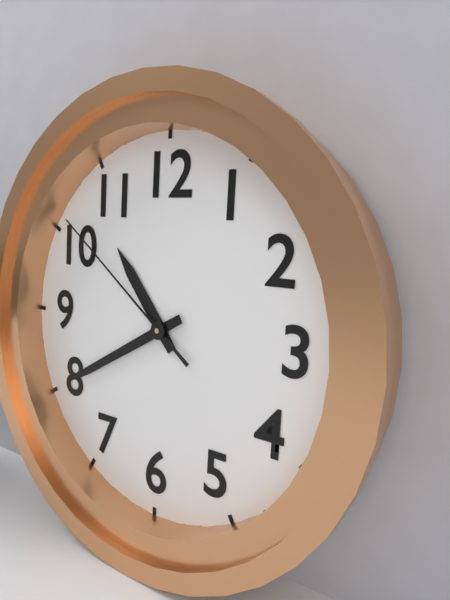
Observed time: 10:40:51
